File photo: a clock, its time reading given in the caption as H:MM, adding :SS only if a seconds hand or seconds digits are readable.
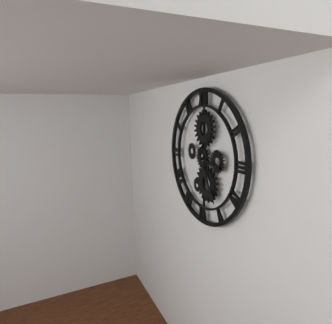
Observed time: 3:25
